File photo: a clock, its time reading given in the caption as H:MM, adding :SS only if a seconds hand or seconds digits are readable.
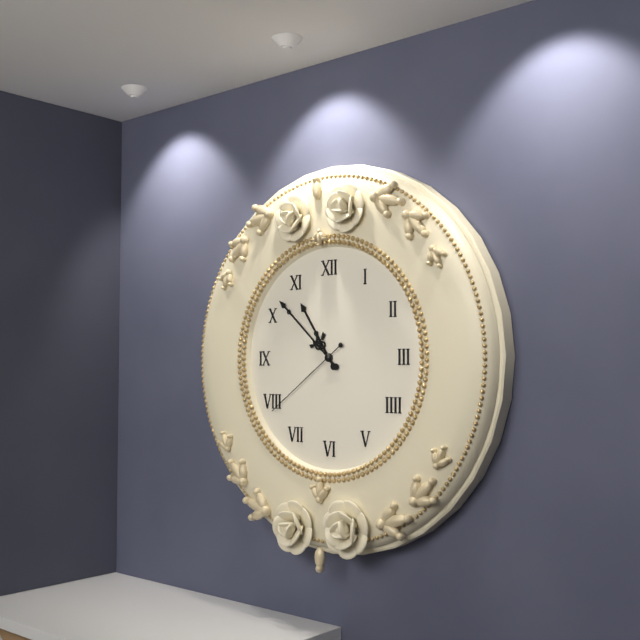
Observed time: 10:52:39
